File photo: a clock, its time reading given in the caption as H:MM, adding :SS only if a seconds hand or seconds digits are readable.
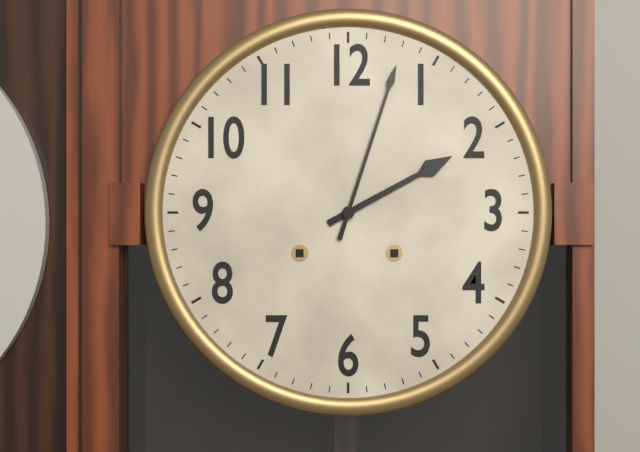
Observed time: 2:03
